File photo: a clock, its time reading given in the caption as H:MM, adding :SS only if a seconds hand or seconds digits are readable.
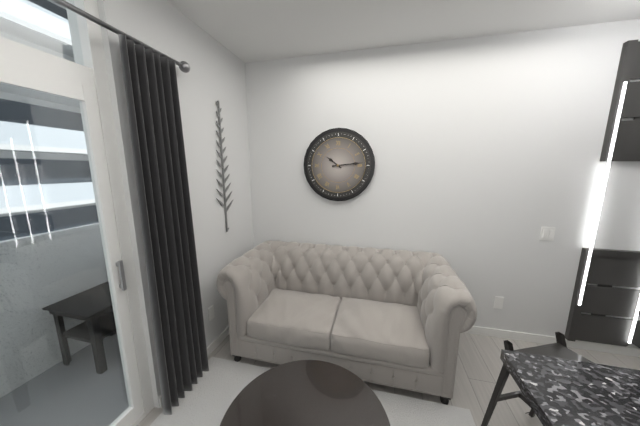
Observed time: 10:14
